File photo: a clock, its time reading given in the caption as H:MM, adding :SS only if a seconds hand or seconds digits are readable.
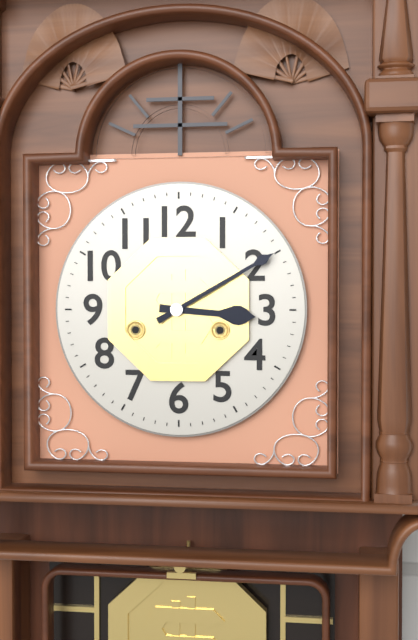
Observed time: 3:10
